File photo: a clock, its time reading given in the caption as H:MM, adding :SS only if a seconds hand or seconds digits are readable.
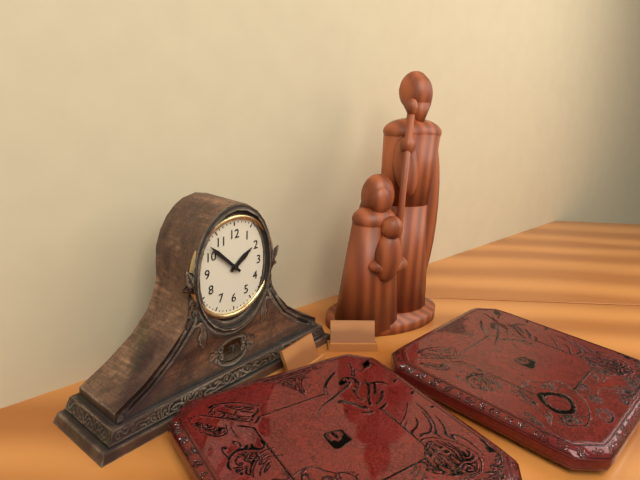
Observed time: 1:52
